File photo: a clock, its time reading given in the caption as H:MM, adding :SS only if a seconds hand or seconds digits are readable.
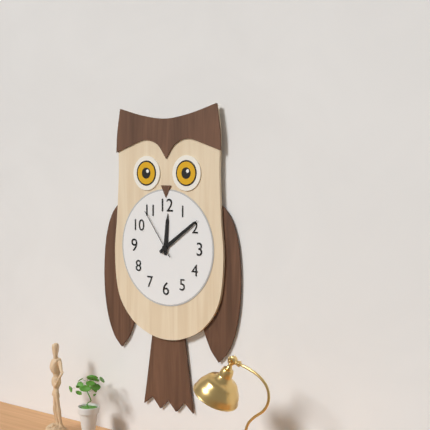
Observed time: 12:09:54
